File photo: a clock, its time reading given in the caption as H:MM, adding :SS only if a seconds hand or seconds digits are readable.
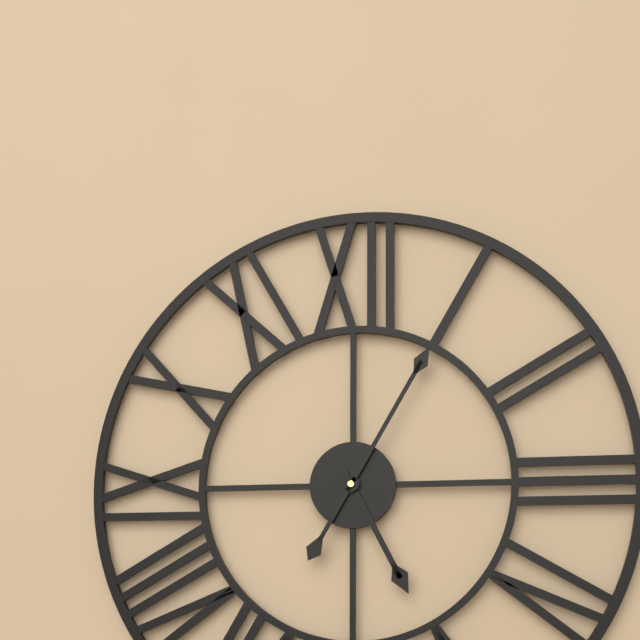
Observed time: 5:05
